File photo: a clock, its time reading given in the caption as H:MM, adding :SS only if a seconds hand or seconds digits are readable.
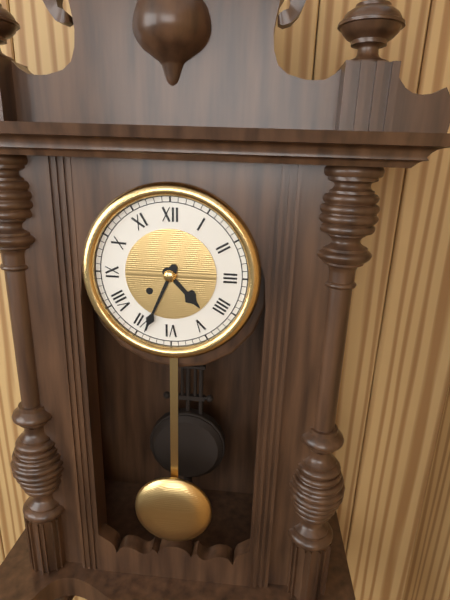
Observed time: 4:34
